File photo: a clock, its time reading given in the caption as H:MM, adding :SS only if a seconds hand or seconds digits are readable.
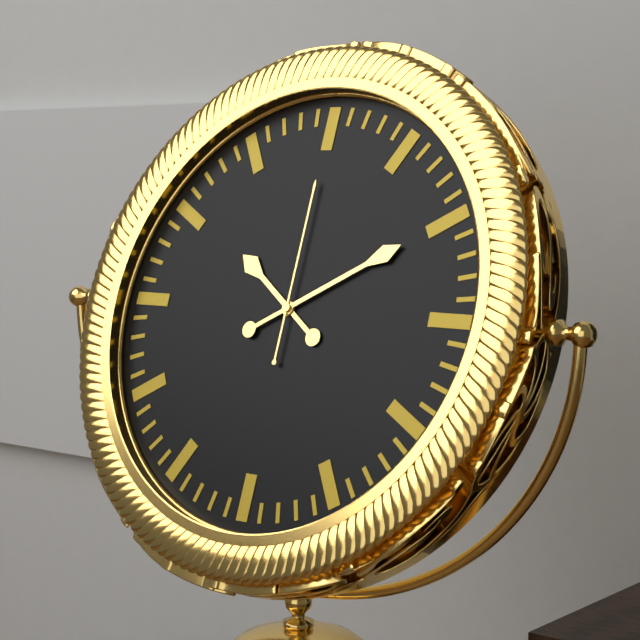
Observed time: 10:10:00
